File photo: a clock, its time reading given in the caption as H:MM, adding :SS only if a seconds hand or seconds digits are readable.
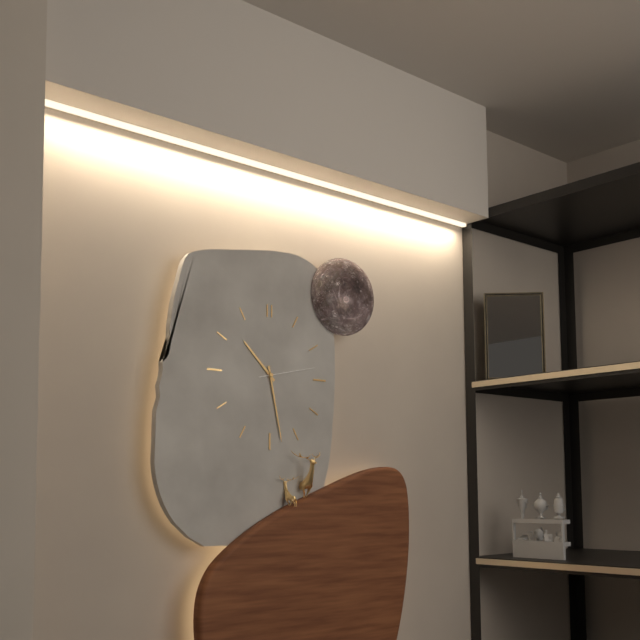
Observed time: 10:28:13
